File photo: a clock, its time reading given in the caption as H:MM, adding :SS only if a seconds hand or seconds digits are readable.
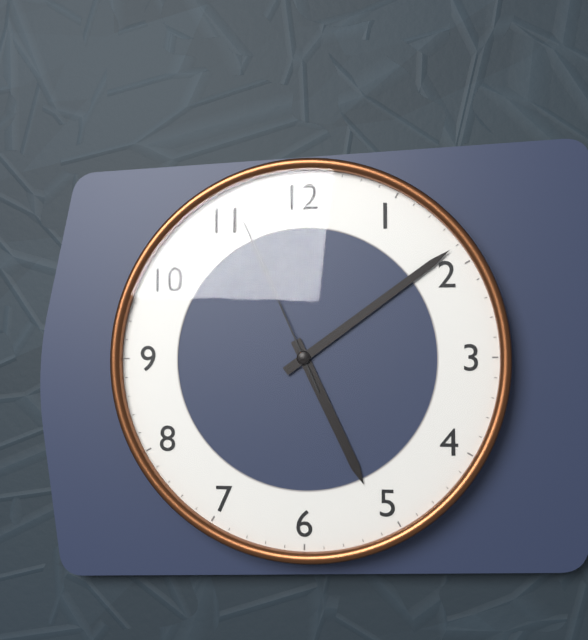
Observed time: 5:09:56
